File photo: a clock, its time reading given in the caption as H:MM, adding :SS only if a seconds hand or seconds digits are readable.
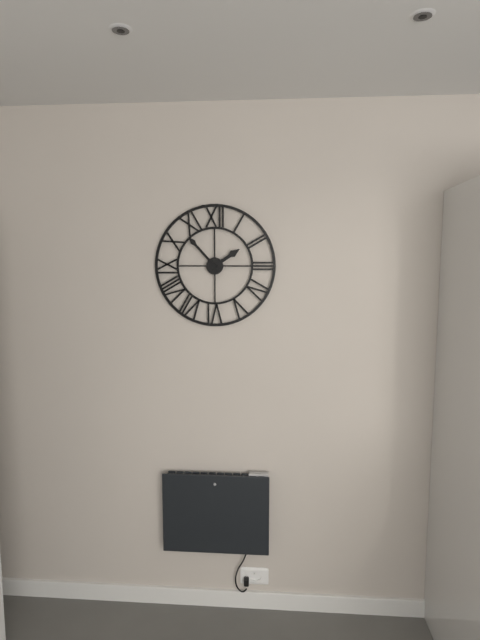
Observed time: 1:53
